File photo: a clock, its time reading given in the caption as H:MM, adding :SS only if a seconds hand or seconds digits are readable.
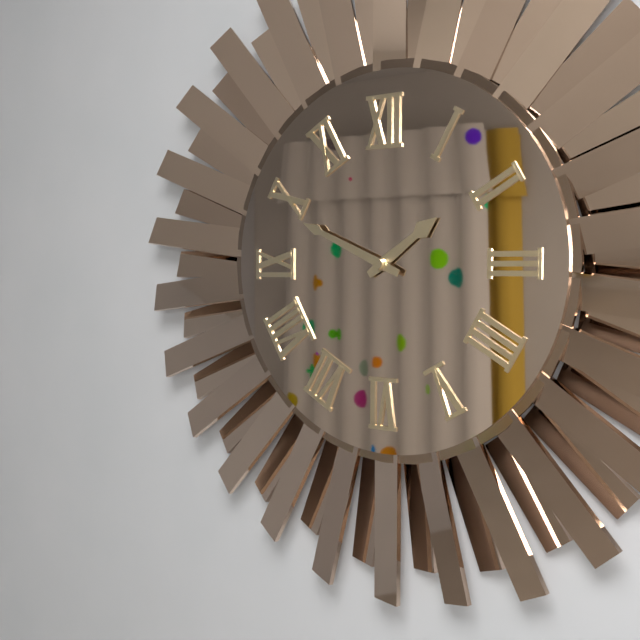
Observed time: 1:49
